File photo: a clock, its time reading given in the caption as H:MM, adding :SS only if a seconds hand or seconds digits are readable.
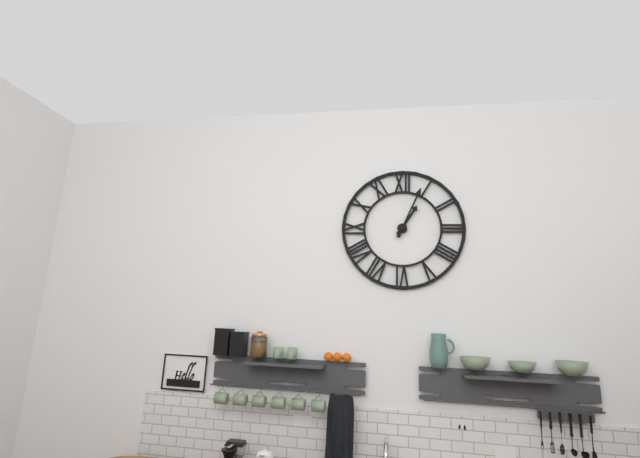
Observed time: 1:04
